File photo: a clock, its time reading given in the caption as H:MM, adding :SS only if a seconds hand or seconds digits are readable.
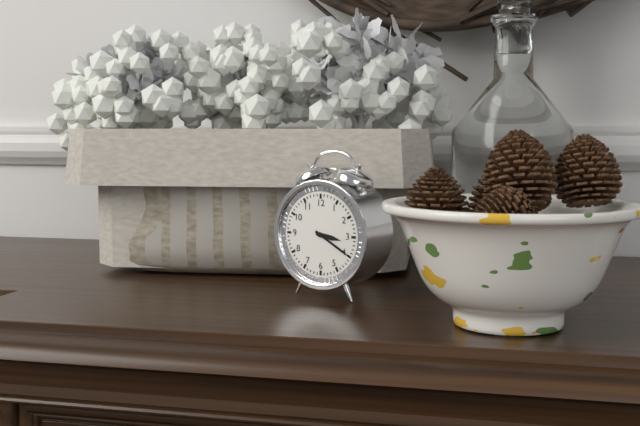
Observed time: 3:20
